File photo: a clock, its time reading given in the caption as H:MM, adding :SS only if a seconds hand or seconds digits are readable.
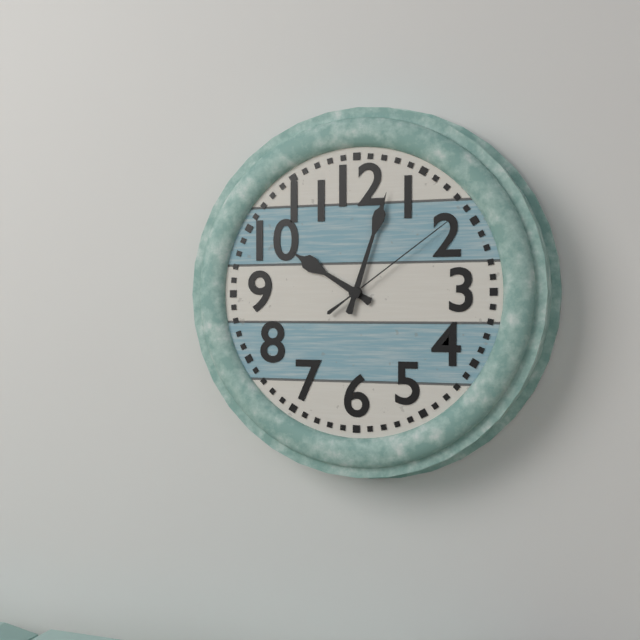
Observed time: 10:03:09
